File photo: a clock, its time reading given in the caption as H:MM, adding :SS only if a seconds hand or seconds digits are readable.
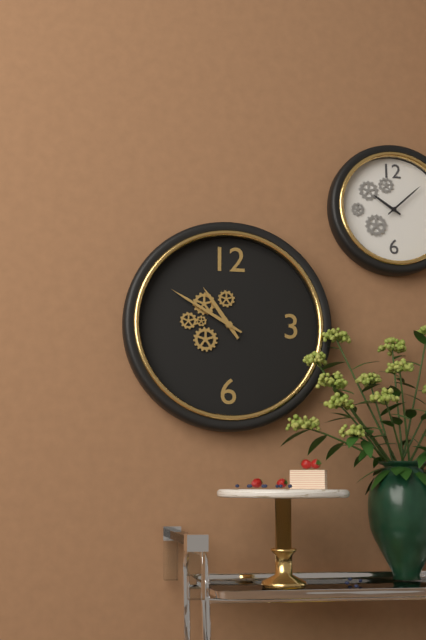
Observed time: 10:50
